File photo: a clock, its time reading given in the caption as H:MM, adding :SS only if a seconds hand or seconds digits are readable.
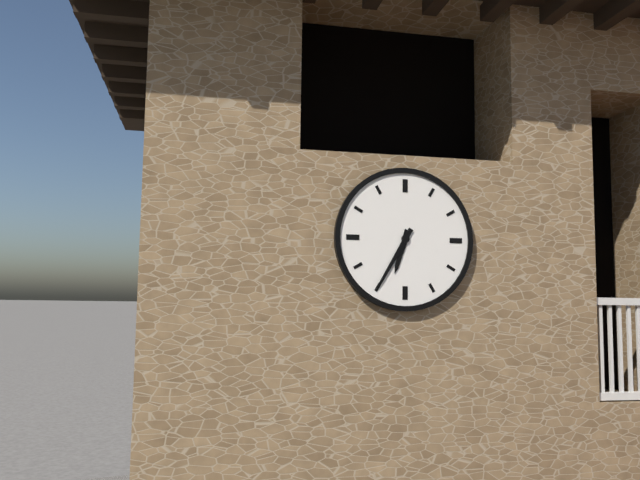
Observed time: 6:35
